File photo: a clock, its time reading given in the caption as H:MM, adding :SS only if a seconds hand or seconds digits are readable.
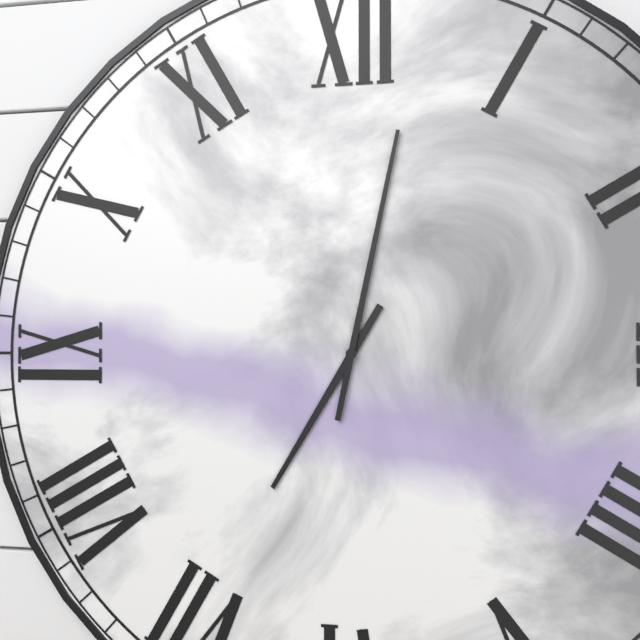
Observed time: 7:02
